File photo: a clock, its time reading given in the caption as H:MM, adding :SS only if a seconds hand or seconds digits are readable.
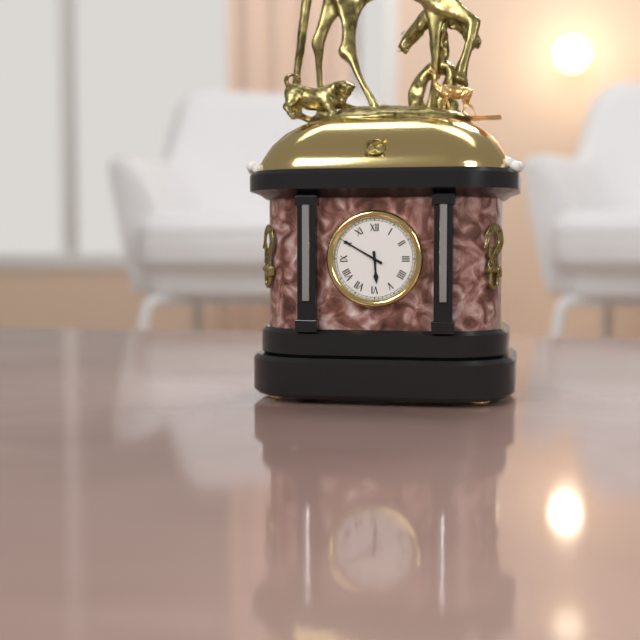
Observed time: 5:50
